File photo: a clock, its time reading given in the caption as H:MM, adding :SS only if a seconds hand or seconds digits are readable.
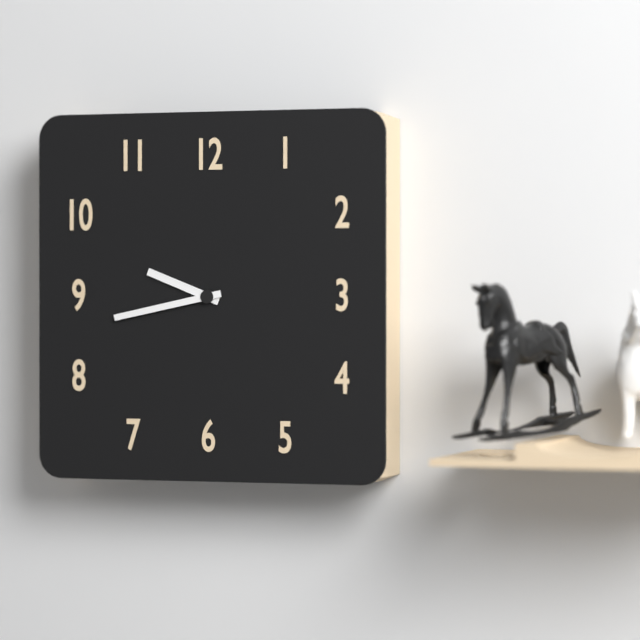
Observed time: 9:43
